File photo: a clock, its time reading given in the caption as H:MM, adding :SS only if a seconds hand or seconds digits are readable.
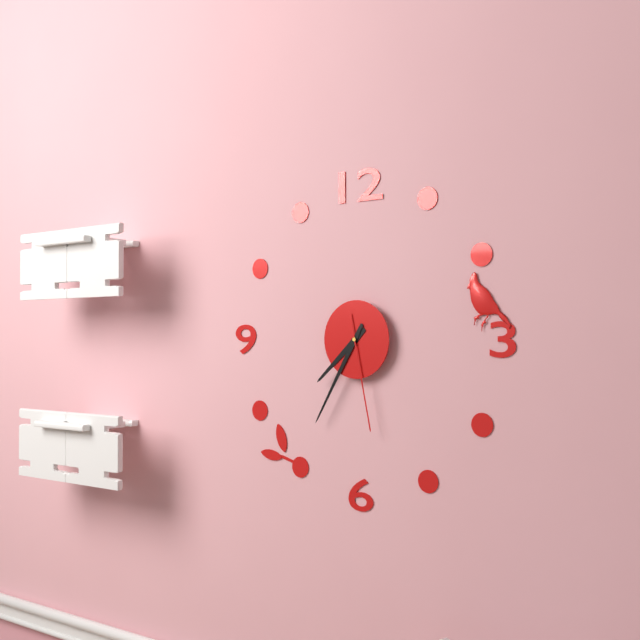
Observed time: 7:35:28
